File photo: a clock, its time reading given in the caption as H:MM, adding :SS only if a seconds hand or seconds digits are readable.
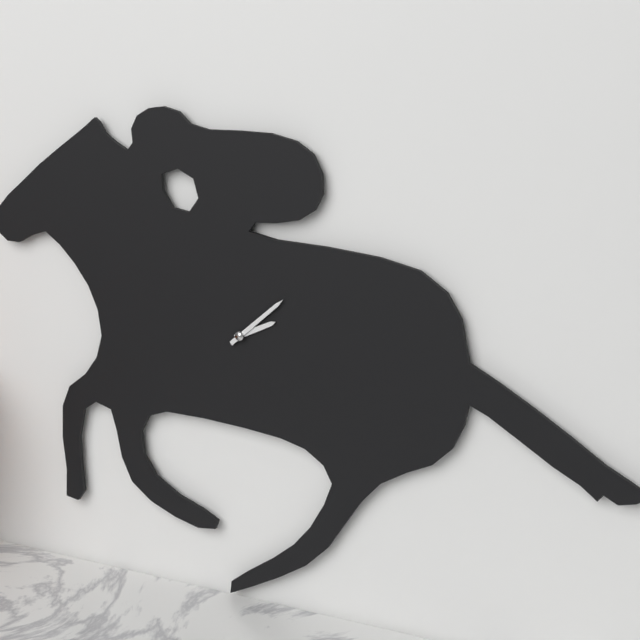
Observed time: 2:08
